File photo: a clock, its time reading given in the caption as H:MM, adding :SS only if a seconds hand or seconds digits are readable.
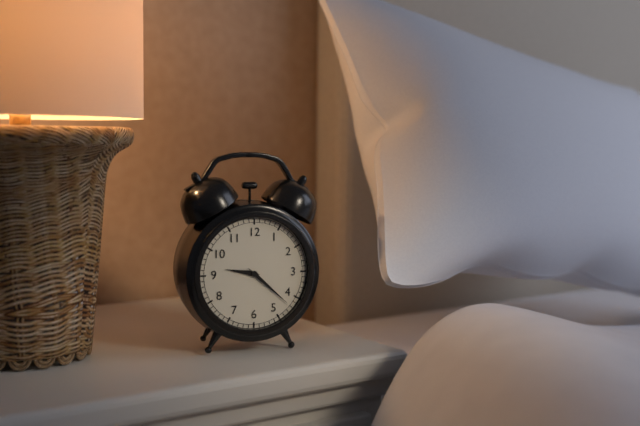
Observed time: 9:22
